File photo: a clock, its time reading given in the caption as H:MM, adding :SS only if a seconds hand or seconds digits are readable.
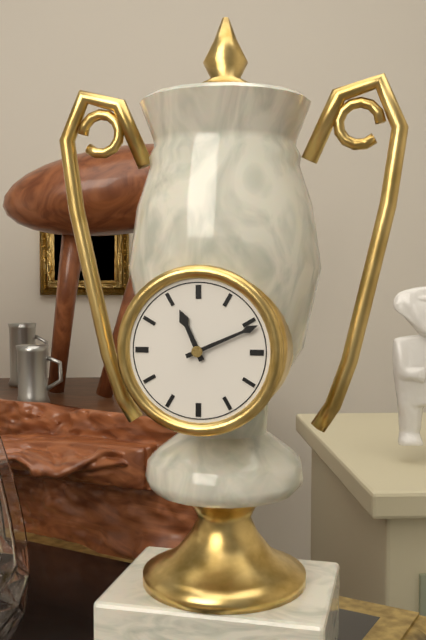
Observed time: 11:11
